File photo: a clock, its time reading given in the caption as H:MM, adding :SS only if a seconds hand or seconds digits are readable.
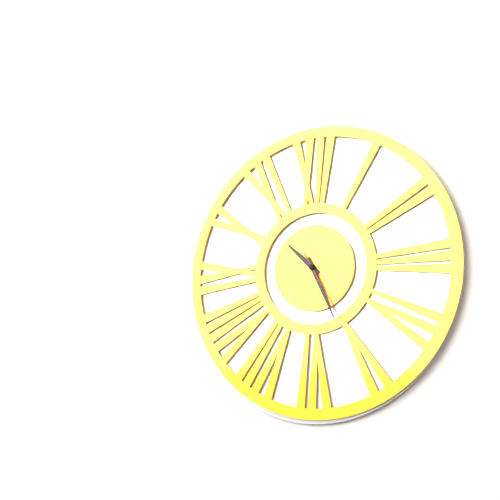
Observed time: 10:26:25
